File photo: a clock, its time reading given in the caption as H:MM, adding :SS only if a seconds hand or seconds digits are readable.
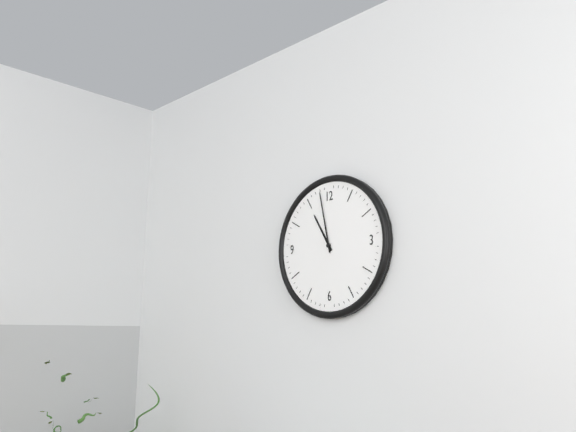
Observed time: 10:58
